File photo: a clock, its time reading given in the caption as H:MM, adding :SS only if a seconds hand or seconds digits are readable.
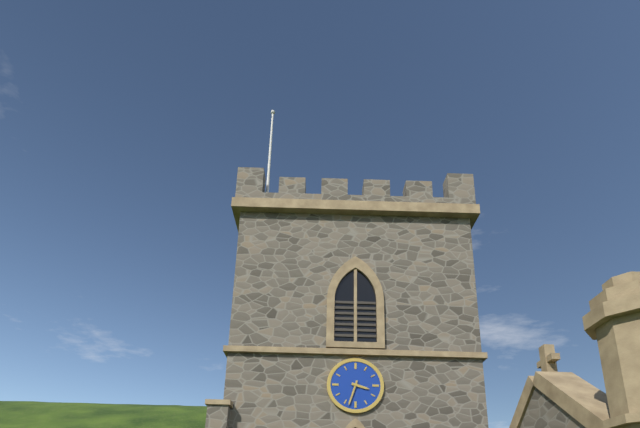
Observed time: 3:33
